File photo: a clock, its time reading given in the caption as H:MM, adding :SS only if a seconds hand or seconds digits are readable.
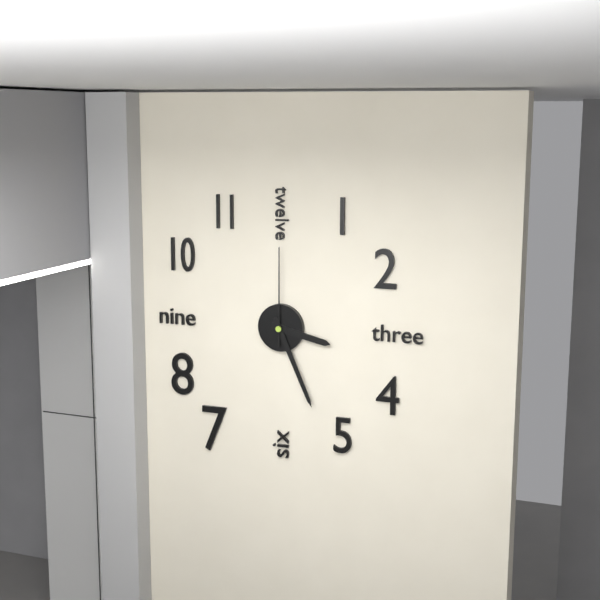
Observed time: 3:26:00
